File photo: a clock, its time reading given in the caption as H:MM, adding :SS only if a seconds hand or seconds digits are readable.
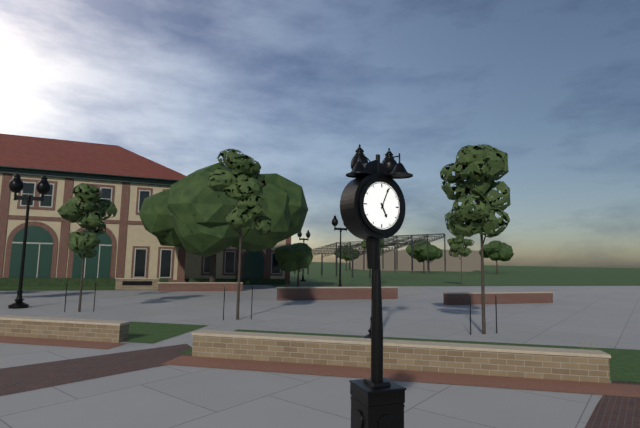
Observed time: 5:04
